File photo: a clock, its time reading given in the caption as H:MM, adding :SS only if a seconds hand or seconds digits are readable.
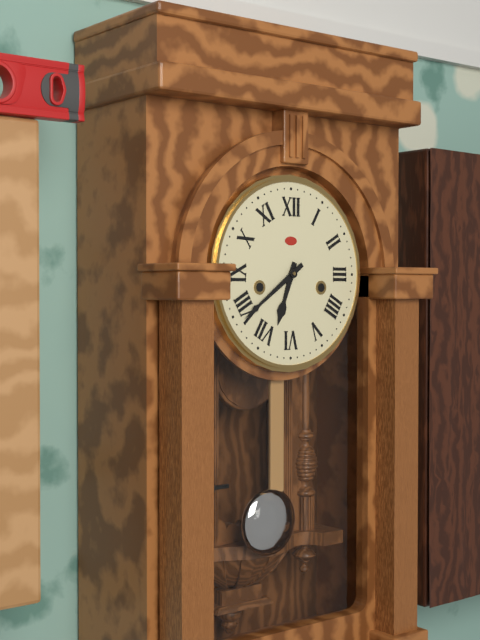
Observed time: 6:39
